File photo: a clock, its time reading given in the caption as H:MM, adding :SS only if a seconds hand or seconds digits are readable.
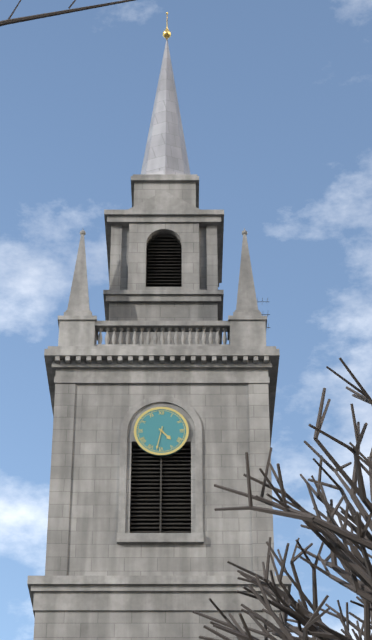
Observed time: 4:32
